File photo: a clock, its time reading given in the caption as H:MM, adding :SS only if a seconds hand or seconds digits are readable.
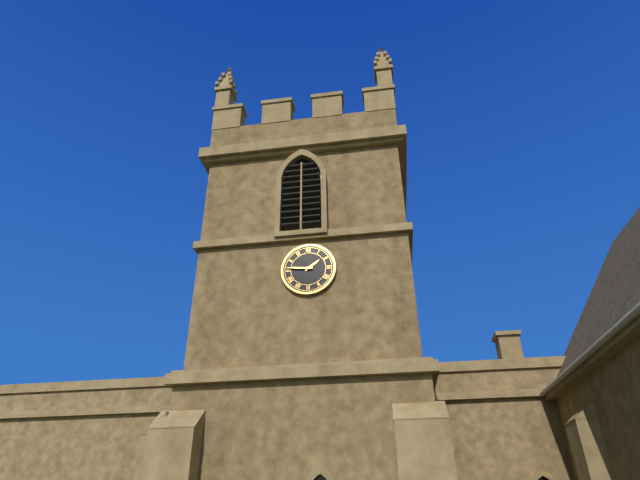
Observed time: 1:46
